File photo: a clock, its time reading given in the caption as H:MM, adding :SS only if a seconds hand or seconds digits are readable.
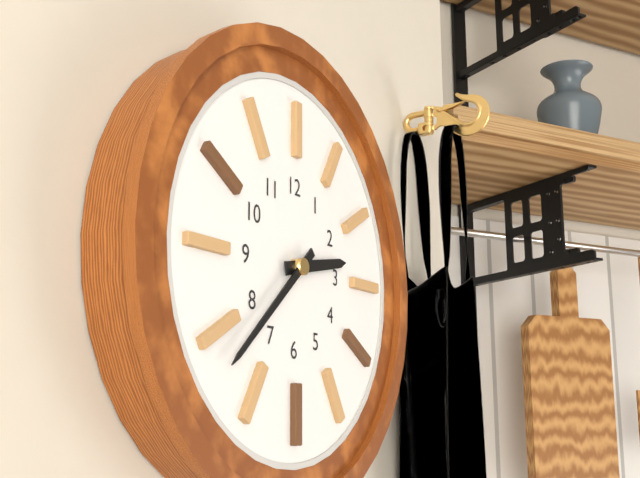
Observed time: 2:38
